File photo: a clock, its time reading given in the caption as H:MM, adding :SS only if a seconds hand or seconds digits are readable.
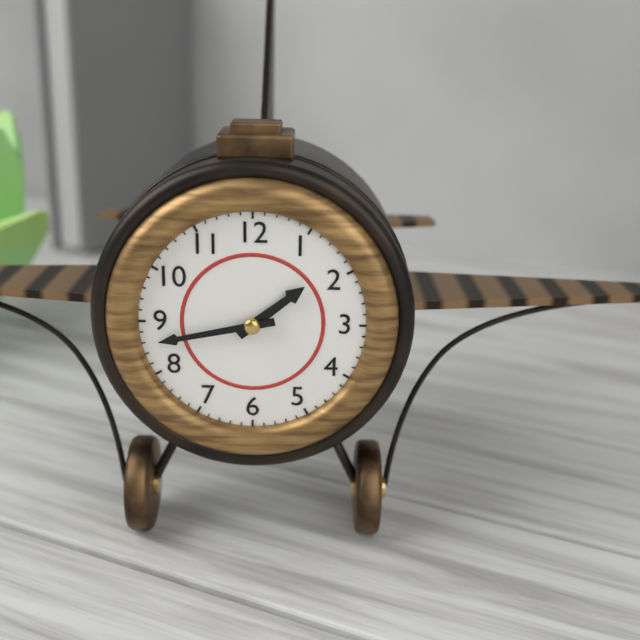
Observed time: 1:43
